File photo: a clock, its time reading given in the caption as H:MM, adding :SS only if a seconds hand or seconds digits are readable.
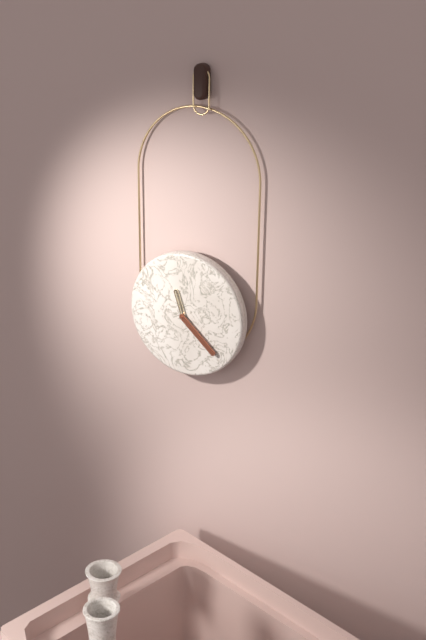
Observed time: 11:22
